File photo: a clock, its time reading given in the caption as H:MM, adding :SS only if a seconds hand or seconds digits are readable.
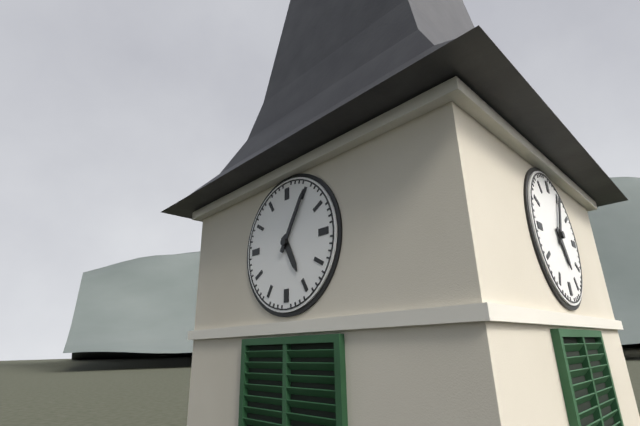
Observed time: 5:05
